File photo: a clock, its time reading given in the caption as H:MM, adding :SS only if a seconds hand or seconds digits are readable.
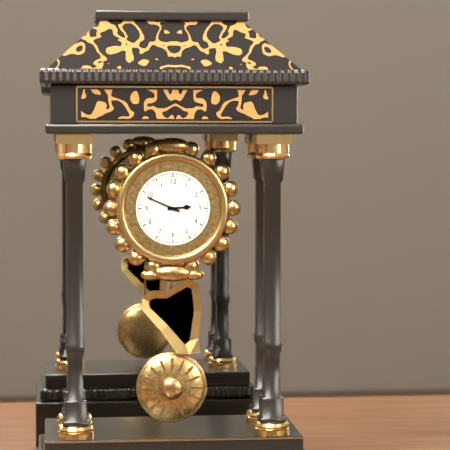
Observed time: 2:49
